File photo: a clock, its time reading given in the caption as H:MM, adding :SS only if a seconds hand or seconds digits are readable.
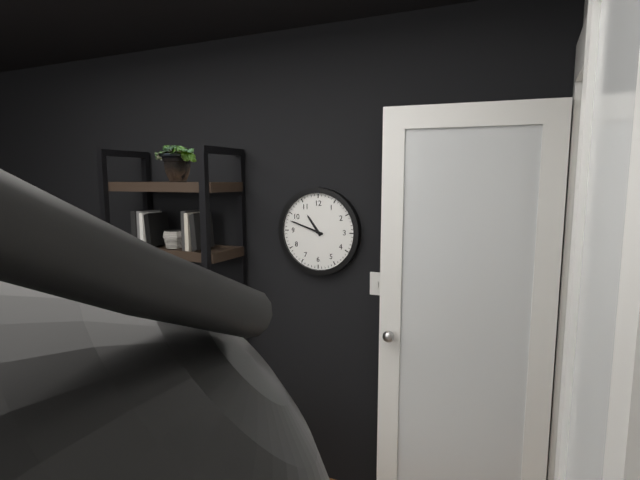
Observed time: 10:48
